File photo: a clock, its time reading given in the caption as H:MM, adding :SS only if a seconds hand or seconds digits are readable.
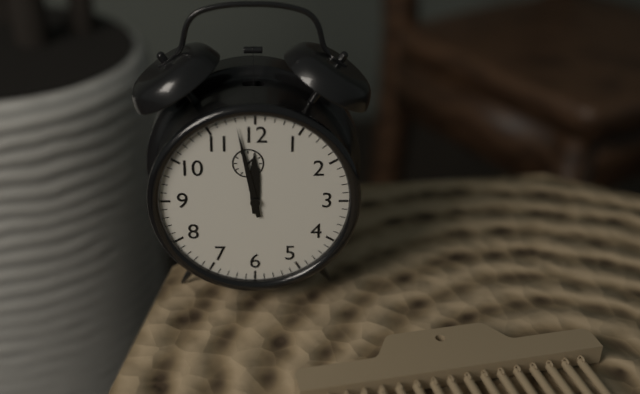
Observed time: 11:58
